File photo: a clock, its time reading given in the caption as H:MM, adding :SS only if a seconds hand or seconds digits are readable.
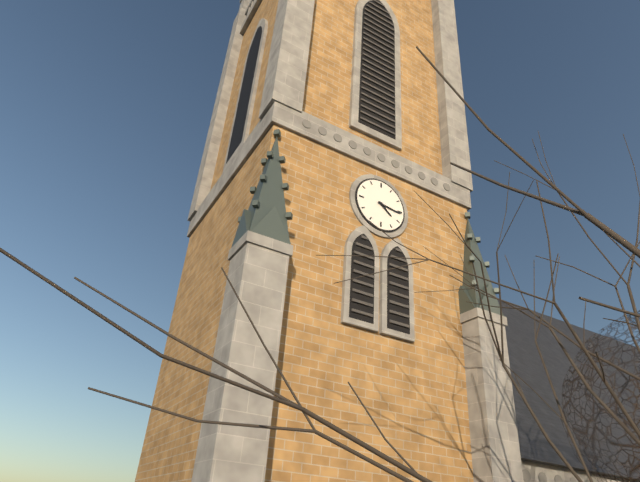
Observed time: 4:16
